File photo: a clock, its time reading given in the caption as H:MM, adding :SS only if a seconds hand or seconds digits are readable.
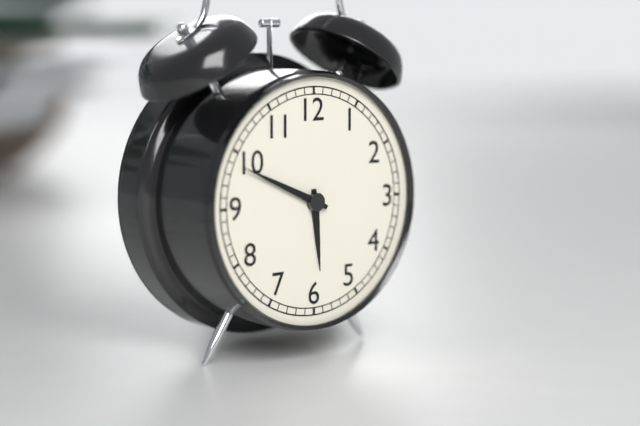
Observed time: 5:49
